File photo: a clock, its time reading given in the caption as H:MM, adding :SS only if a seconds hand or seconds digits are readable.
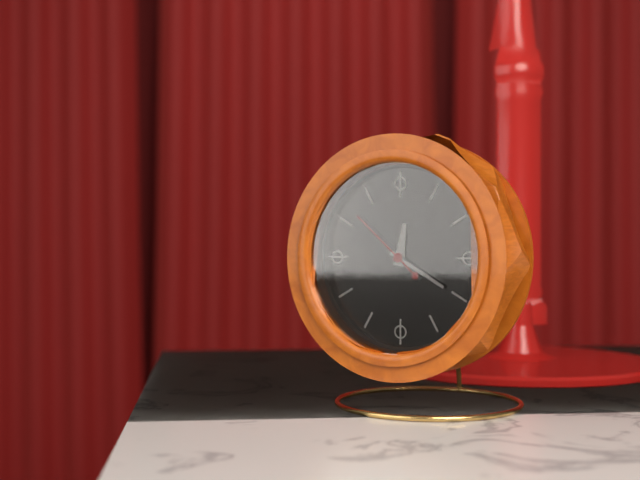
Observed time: 12:20:52
